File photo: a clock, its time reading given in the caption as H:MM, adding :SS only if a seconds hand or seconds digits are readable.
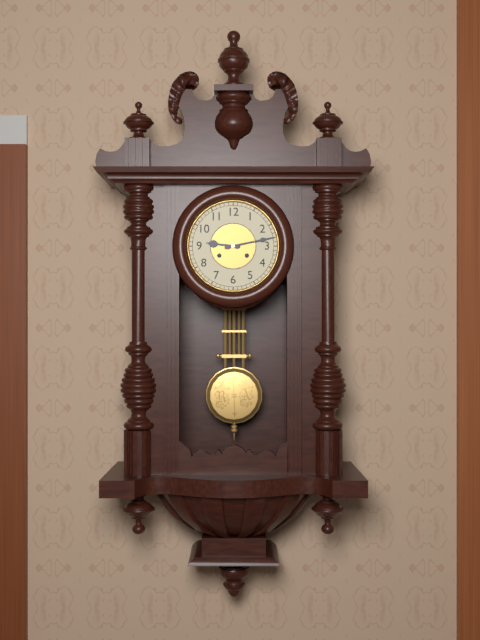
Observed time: 9:13
